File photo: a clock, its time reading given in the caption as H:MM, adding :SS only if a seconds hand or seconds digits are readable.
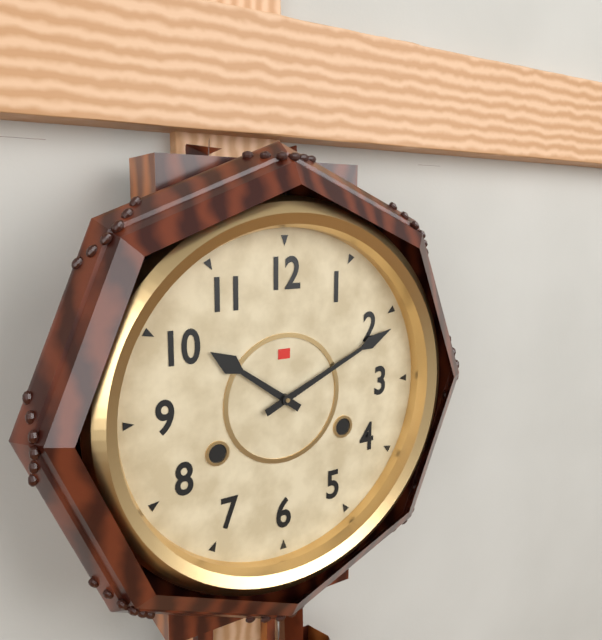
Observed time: 10:11
